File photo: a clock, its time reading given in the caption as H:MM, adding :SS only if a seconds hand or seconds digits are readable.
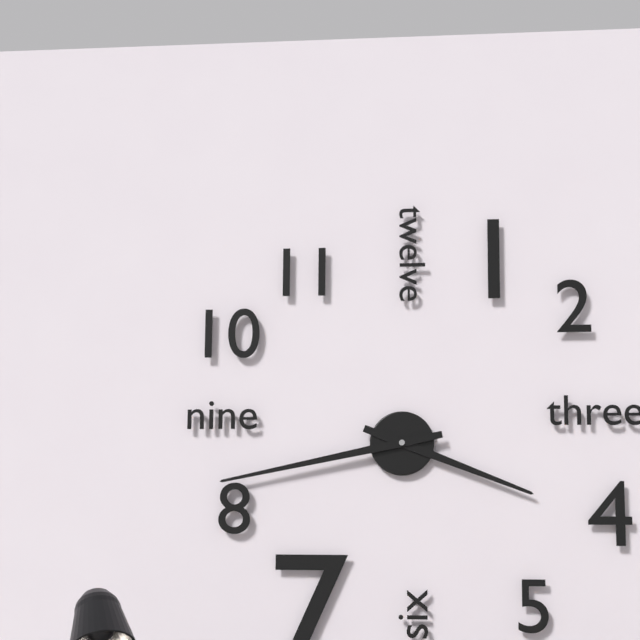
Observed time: 3:43
